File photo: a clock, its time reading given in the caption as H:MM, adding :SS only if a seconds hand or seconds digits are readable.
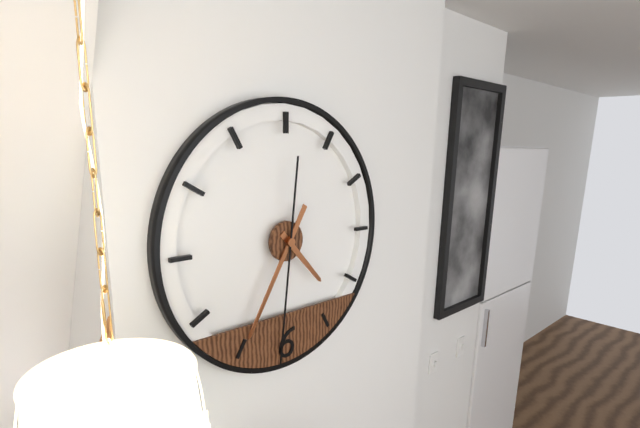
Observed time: 4:35:31
